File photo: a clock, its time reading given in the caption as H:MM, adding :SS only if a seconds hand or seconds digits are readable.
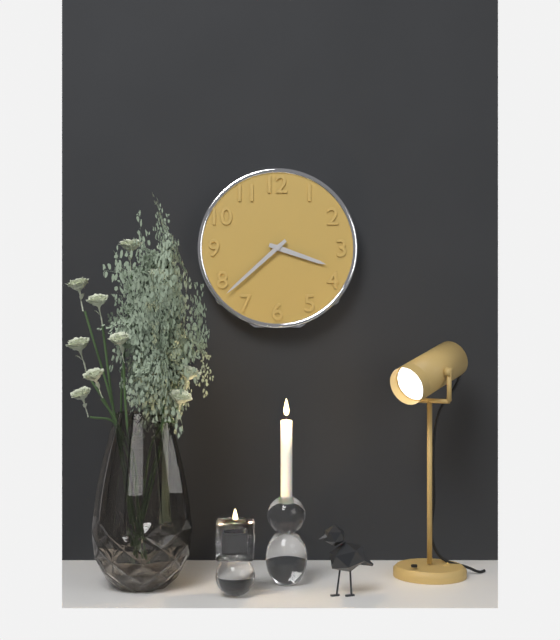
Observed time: 3:38
